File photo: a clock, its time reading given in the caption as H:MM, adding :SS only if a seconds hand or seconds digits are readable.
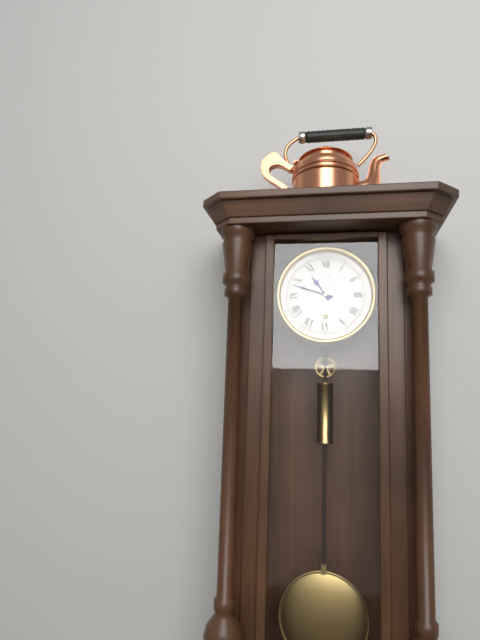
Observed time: 10:48
